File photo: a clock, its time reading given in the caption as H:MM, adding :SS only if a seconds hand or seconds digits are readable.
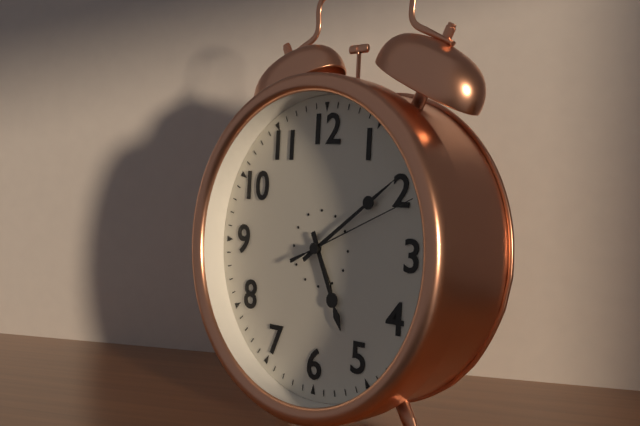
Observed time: 5:09:11
